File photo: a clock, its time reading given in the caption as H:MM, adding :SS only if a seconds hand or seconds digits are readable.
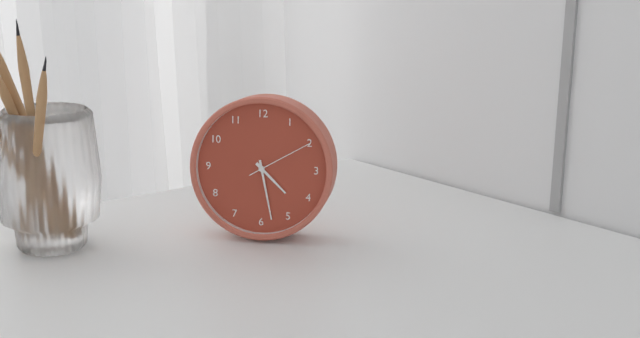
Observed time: 4:28:10
